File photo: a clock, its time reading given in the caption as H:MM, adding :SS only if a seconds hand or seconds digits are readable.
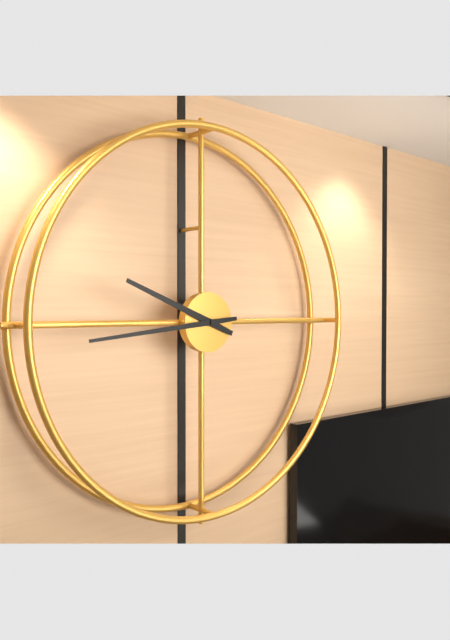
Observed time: 9:44
